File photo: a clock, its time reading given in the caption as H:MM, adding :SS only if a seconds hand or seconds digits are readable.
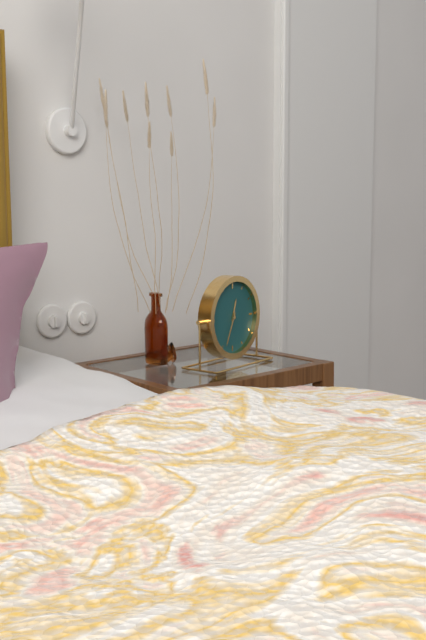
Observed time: 12:34
